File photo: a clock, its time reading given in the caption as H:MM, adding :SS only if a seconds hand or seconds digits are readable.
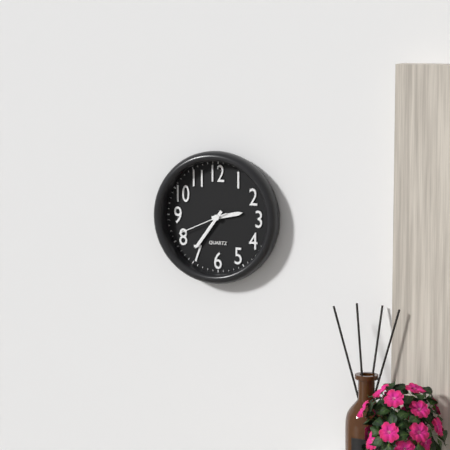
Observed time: 2:36:41
